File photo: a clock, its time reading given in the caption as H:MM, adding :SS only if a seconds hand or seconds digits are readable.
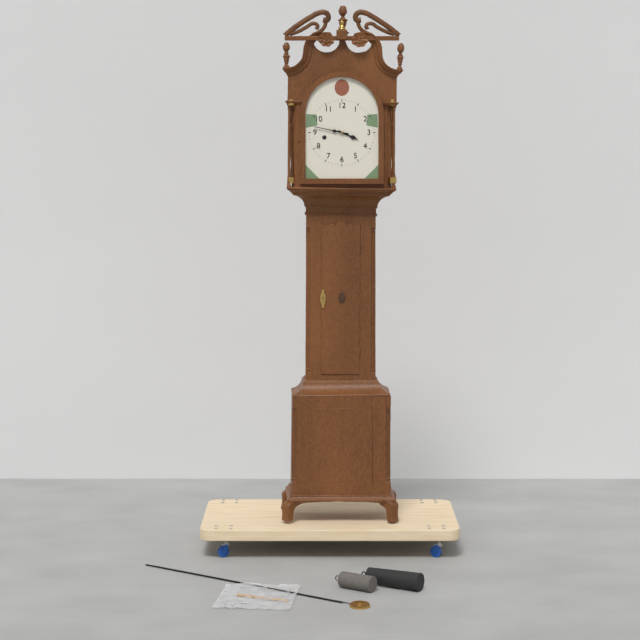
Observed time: 3:47
